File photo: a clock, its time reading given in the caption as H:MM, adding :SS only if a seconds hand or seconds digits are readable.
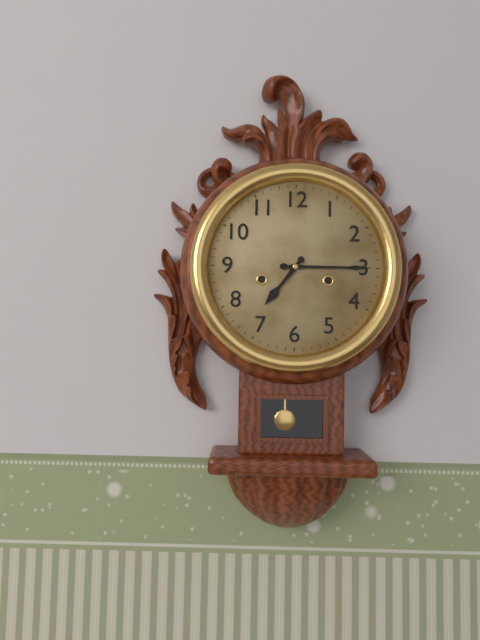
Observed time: 7:15
